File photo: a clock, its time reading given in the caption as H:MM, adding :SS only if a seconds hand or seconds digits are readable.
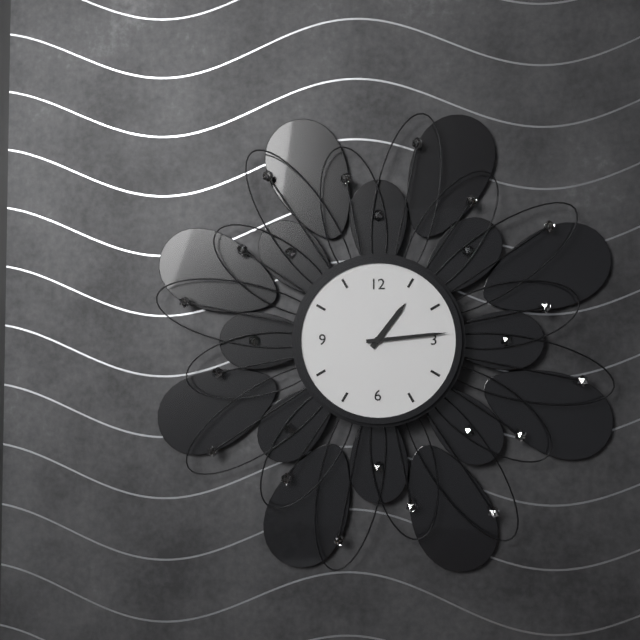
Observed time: 1:14
